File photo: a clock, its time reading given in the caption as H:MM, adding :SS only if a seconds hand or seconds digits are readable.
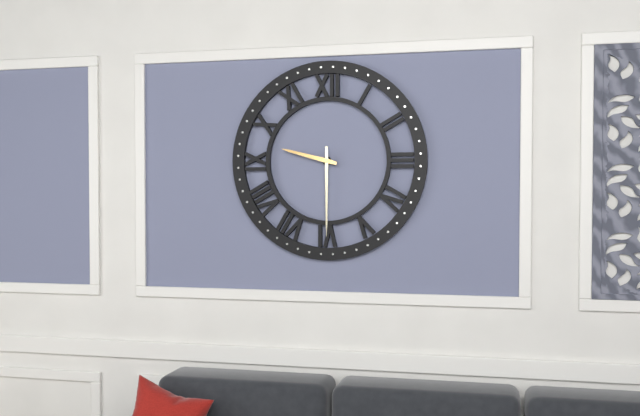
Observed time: 9:30
